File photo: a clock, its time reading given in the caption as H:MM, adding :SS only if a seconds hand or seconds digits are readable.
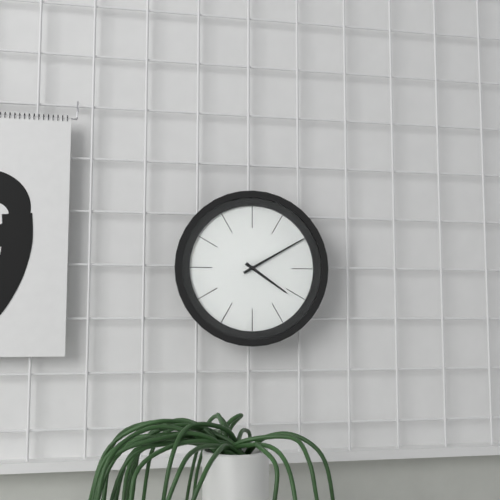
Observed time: 4:10
